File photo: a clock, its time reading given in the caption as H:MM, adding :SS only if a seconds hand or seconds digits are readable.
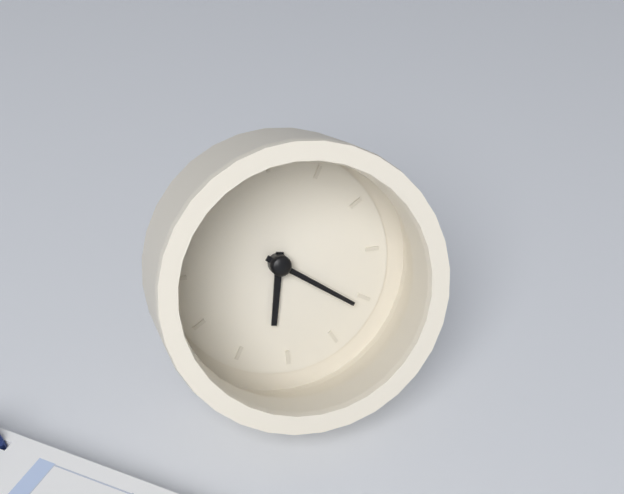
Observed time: 6:21
